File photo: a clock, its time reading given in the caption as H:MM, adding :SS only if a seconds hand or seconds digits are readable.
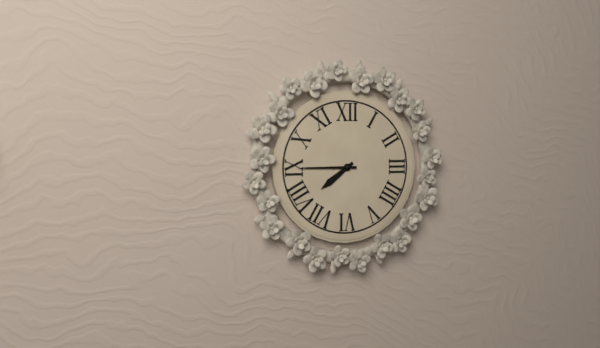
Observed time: 7:45
